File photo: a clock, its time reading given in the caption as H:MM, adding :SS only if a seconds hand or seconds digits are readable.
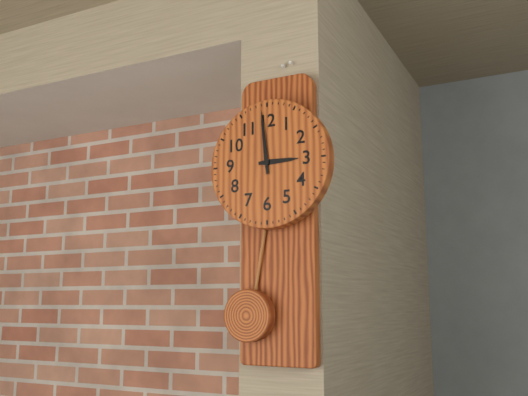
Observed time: 2:59
